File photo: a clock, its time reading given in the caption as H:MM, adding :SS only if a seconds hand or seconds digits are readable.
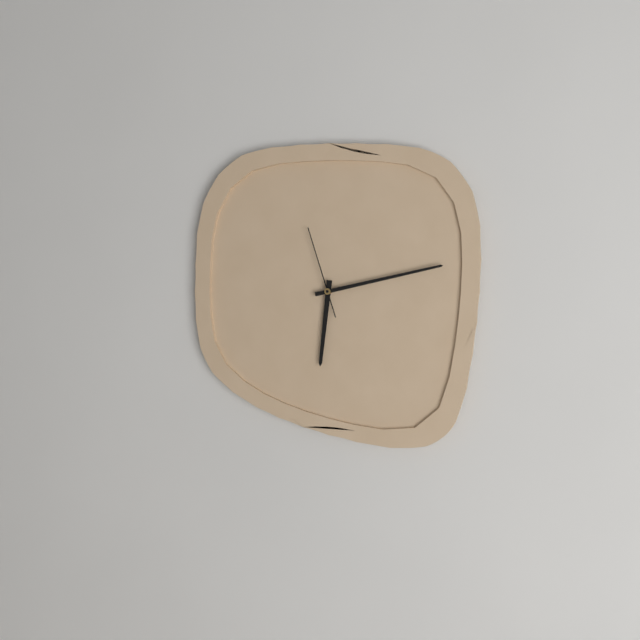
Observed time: 6:13:57
